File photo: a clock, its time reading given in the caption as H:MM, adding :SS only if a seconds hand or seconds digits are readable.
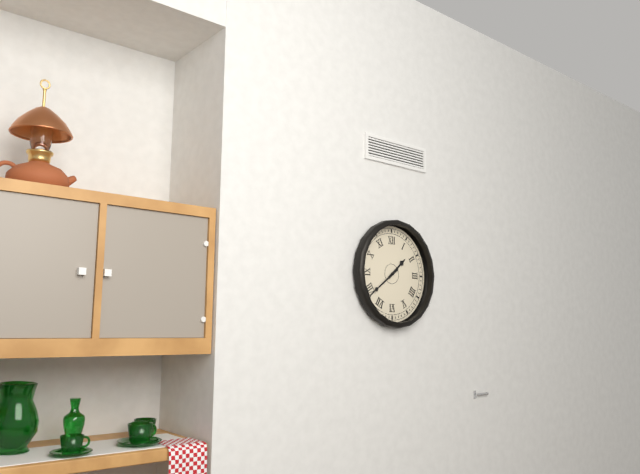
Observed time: 1:39
